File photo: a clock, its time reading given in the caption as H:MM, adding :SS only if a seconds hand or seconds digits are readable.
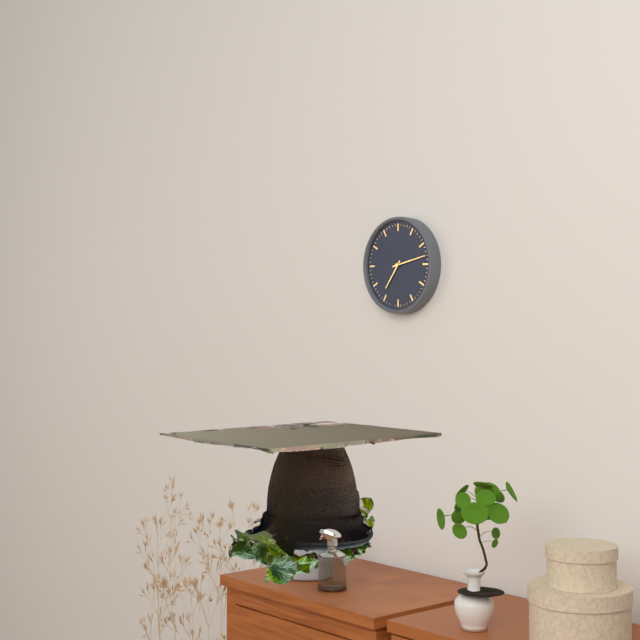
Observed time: 7:13
